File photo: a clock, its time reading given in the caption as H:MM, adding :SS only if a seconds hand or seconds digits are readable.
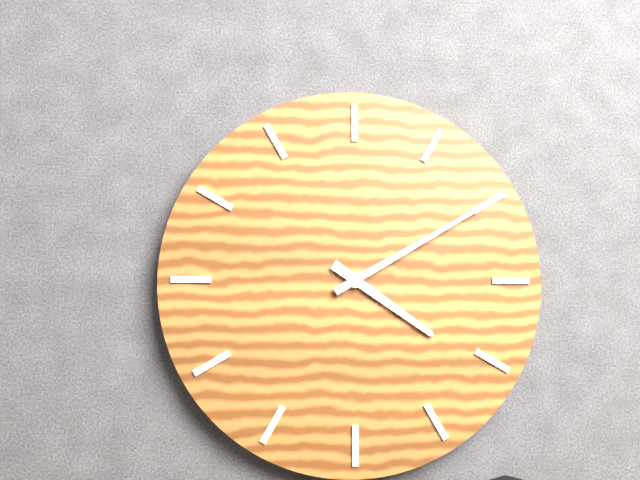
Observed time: 4:10
